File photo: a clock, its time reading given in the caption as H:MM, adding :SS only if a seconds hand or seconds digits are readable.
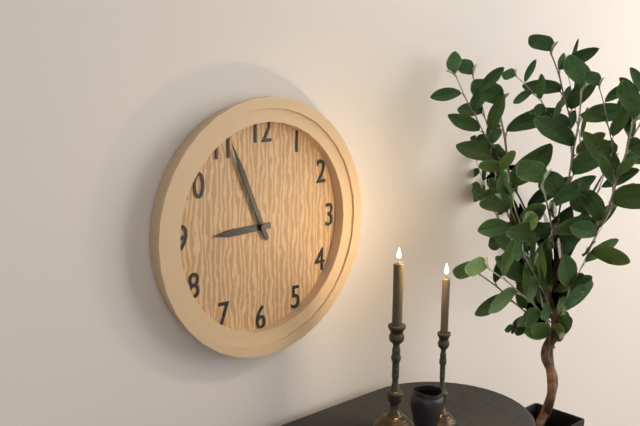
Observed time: 8:56
